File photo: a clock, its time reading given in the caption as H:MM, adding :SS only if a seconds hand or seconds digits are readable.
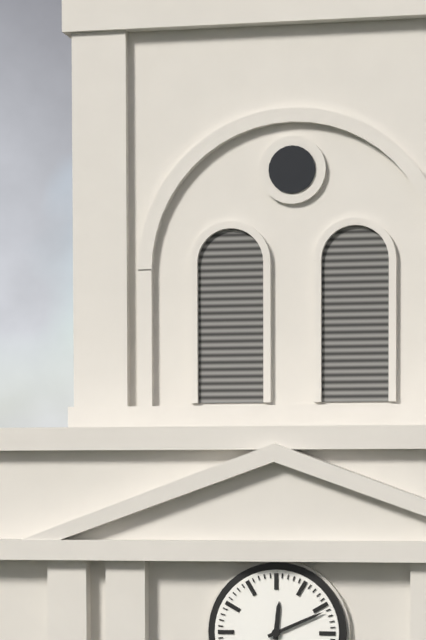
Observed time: 12:11
